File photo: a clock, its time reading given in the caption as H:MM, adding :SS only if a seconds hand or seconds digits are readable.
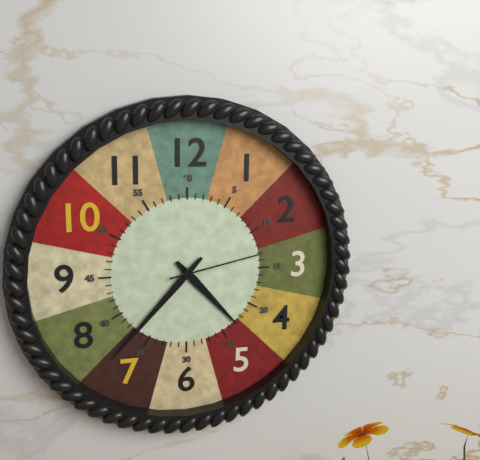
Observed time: 4:37:13
